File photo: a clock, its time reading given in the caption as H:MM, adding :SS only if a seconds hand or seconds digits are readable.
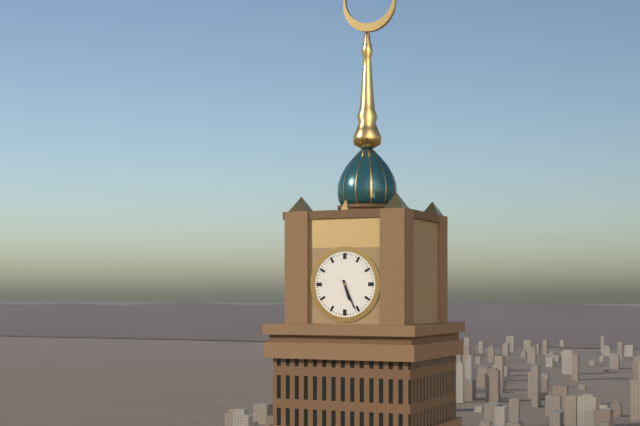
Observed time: 5:26
